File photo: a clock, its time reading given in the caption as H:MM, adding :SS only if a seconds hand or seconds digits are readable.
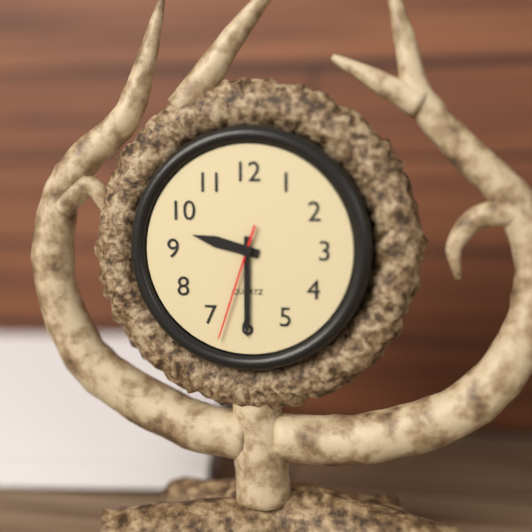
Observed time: 9:30:33
